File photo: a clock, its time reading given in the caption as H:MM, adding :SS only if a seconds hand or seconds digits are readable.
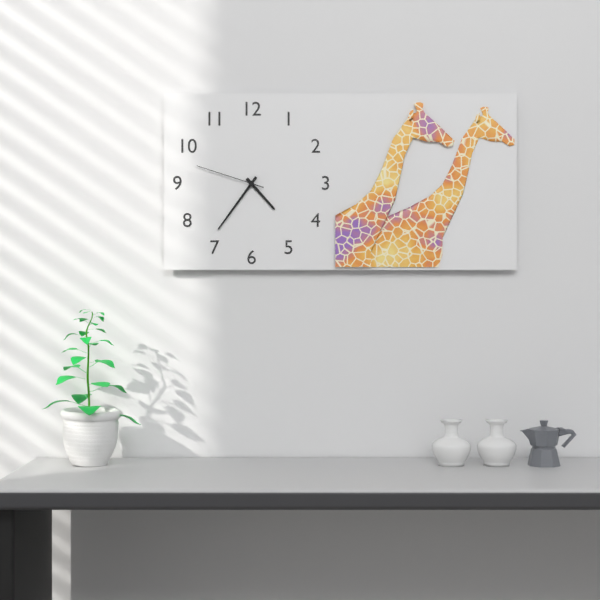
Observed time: 4:36:48
